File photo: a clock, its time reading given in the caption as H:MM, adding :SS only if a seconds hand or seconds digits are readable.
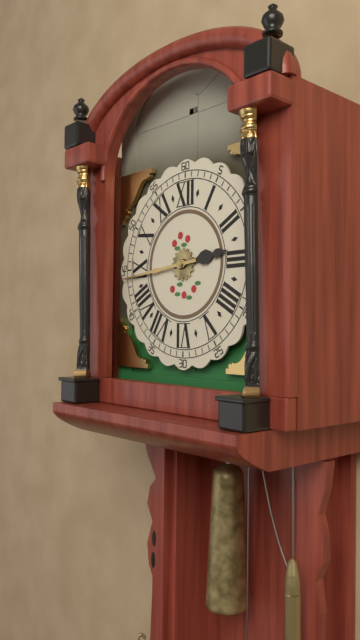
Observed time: 2:44
